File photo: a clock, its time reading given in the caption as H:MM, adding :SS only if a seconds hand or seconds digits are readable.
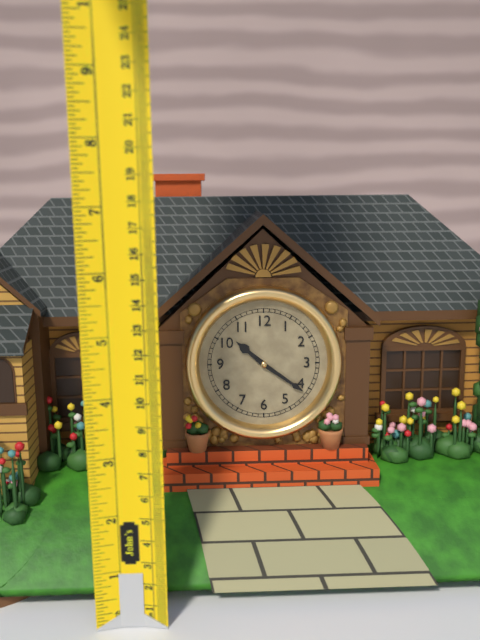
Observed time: 10:21
